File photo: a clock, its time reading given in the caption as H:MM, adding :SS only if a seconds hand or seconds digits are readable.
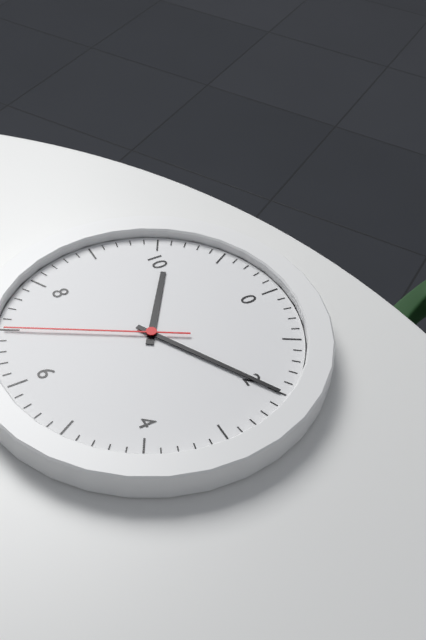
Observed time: 10:10:35
